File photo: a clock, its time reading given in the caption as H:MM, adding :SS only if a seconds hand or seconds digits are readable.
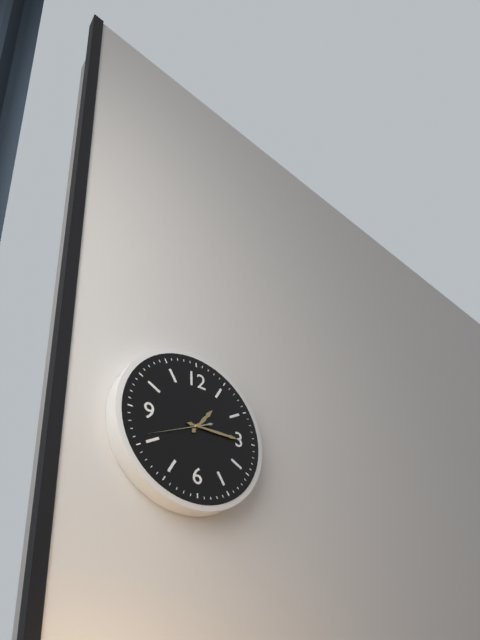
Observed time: 1:15:41
